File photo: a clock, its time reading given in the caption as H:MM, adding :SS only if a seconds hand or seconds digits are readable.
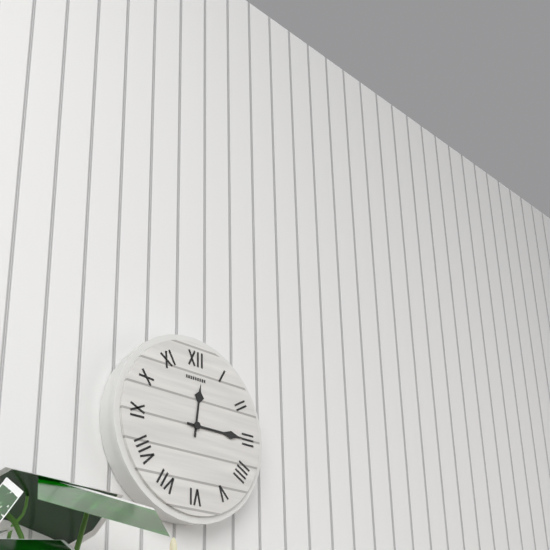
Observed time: 12:15
